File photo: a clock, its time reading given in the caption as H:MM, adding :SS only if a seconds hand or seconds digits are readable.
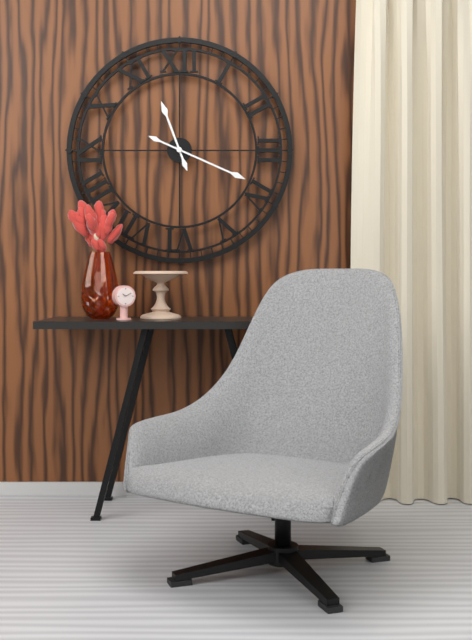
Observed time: 11:19
